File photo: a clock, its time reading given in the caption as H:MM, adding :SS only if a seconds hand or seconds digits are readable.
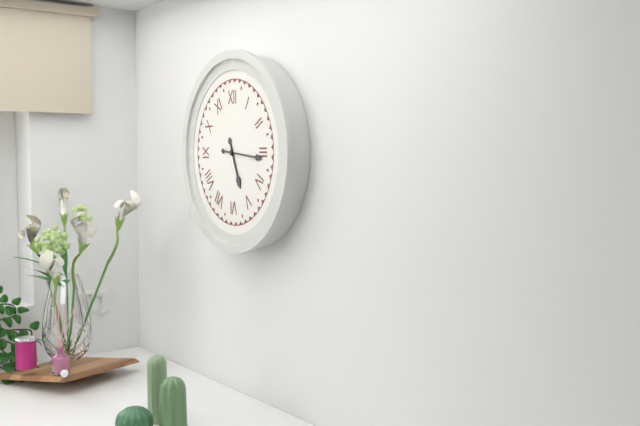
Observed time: 5:16
